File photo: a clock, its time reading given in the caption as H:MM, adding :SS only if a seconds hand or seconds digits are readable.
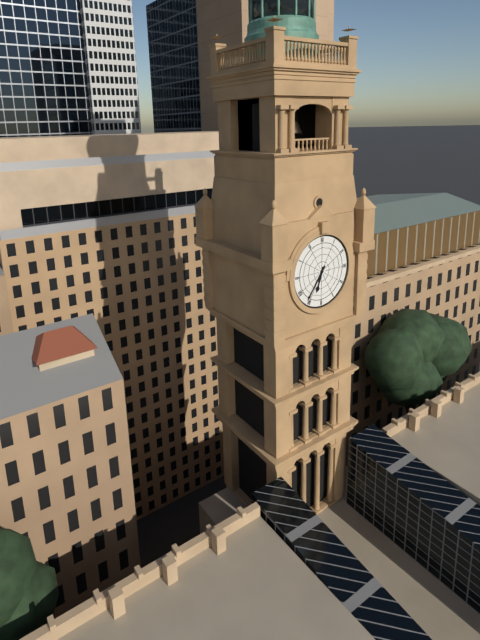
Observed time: 6:36
